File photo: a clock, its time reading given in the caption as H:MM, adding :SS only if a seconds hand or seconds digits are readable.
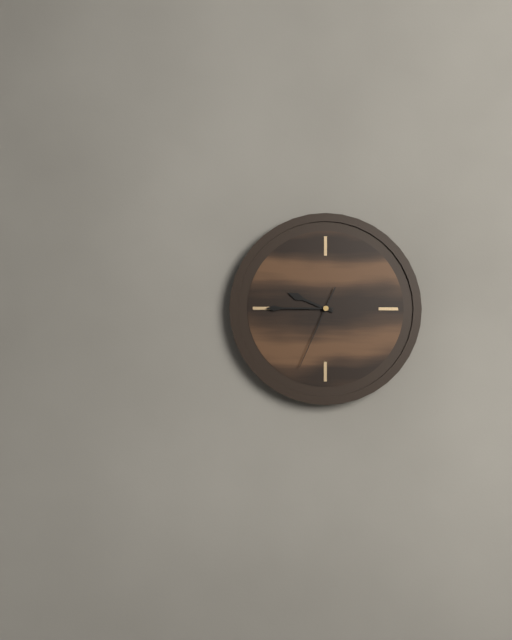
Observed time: 9:45:34
